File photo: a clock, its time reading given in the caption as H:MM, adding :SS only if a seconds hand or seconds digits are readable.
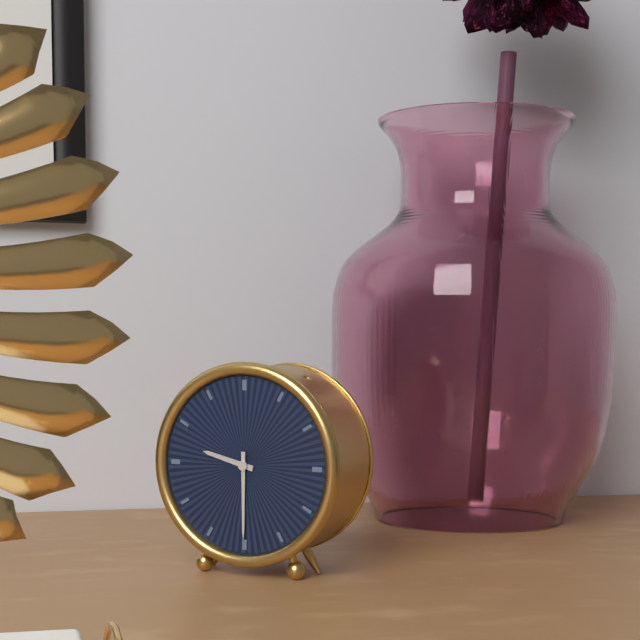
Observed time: 9:30
